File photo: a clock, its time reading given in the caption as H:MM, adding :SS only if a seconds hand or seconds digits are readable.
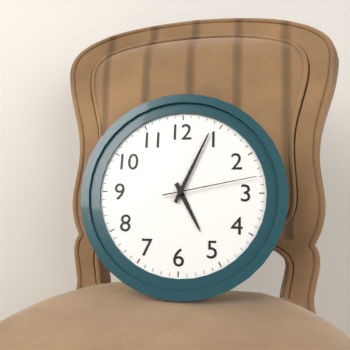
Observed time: 5:04:13
